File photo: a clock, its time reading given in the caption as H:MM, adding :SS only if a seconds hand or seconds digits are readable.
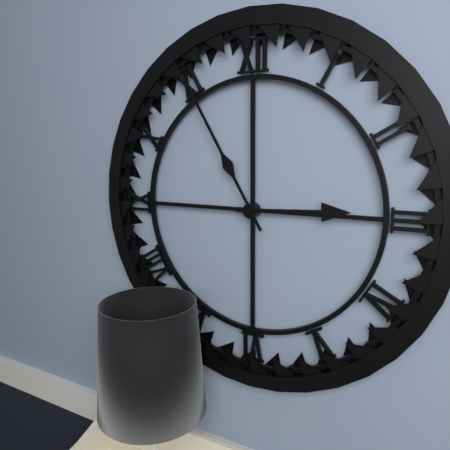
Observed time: 2:55
